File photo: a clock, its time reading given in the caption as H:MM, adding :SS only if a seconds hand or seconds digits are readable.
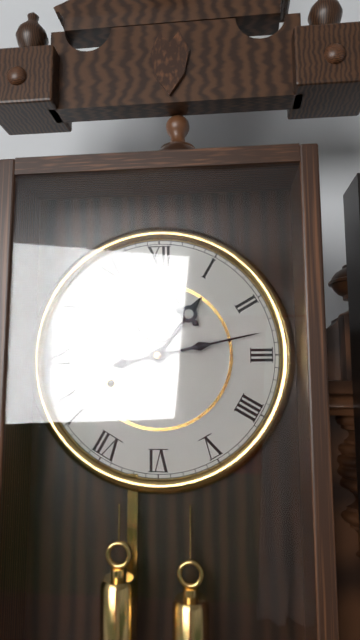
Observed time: 1:13
